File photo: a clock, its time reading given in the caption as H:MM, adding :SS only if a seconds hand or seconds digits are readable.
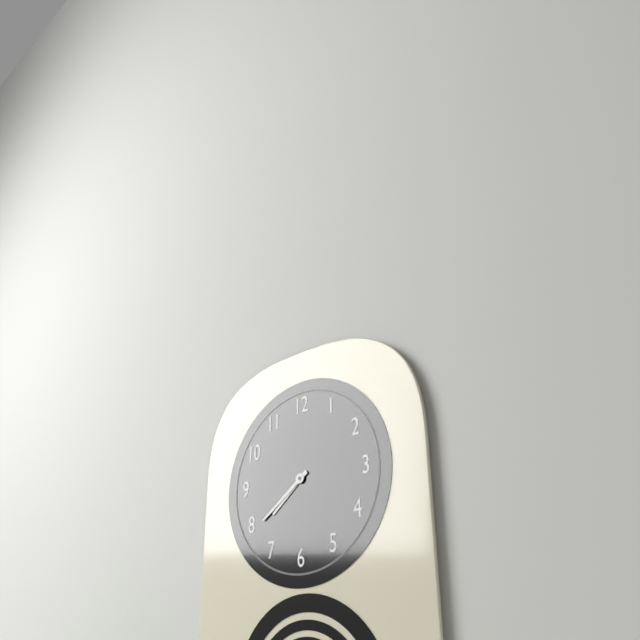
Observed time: 7:39
